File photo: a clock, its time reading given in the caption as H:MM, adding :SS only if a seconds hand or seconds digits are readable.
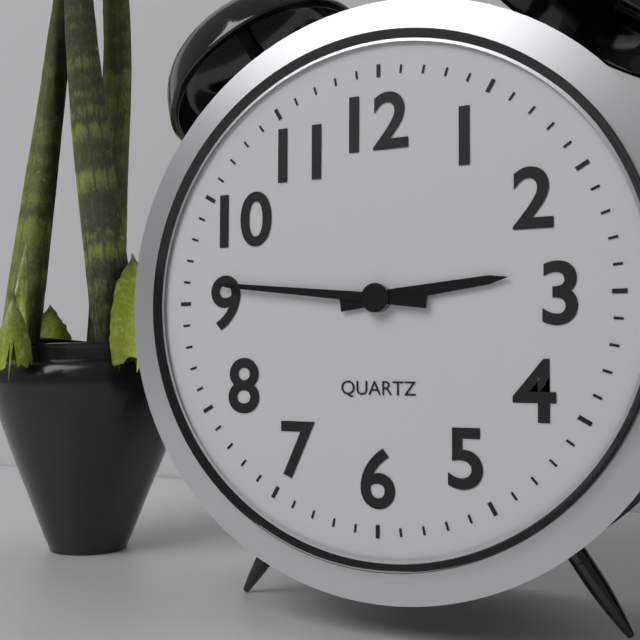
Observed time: 2:46
